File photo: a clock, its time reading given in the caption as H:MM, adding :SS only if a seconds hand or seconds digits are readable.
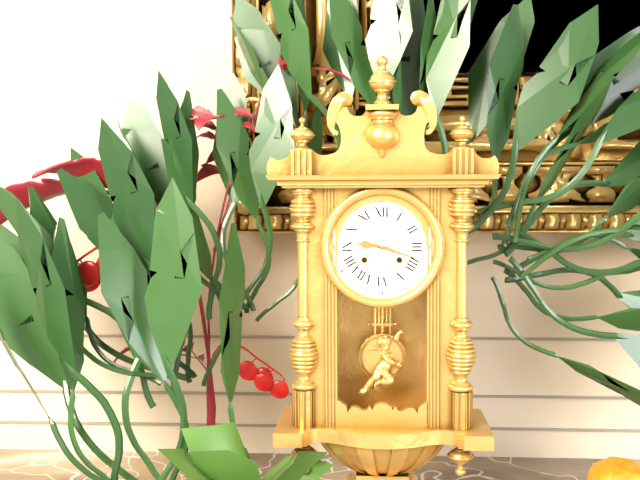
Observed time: 9:18
